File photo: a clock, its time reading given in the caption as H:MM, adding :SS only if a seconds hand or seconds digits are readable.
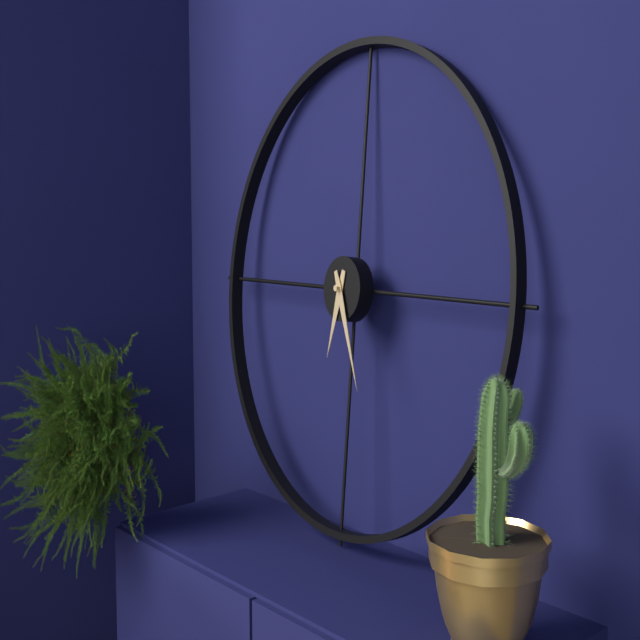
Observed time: 6:26
